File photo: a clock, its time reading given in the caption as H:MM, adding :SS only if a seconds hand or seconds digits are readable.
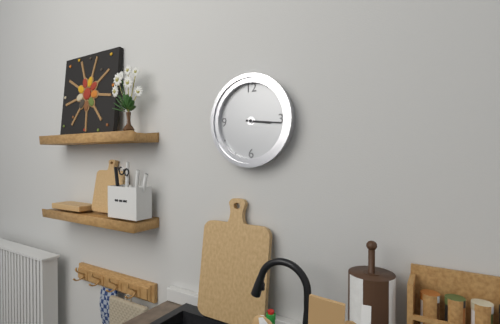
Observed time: 3:16
